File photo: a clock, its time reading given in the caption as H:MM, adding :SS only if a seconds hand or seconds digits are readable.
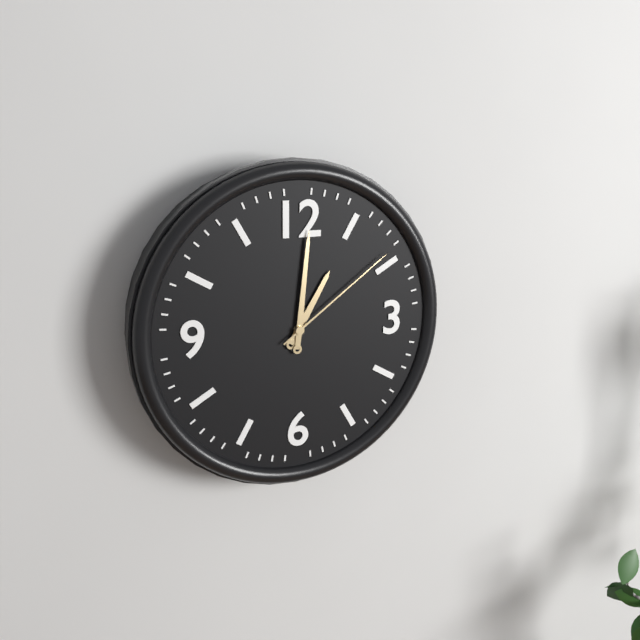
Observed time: 1:01:09
